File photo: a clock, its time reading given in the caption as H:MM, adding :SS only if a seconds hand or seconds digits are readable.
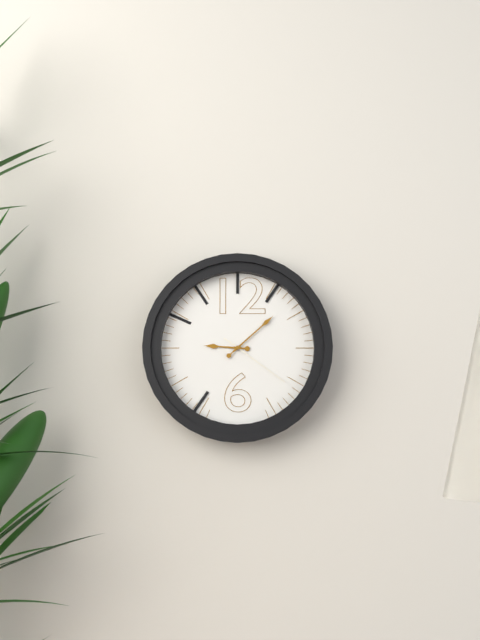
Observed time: 9:08:21
